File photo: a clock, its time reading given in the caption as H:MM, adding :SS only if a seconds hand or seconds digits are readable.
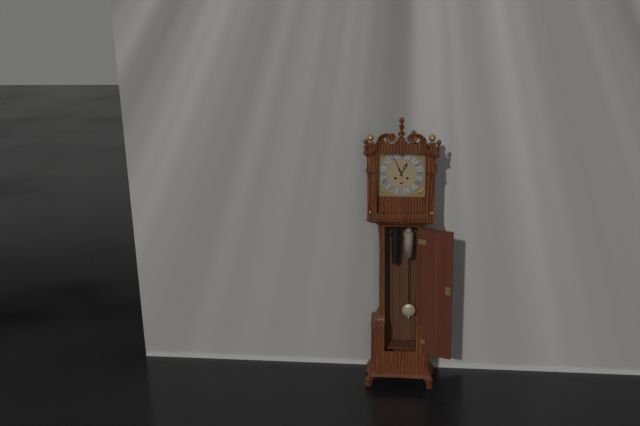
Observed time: 12:56
